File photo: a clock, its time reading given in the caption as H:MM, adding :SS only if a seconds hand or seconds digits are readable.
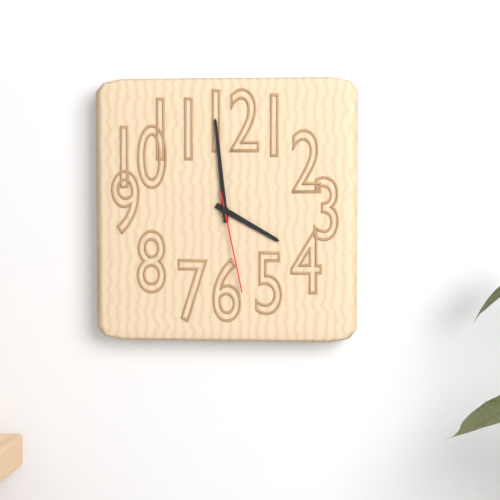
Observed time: 3:59:28
